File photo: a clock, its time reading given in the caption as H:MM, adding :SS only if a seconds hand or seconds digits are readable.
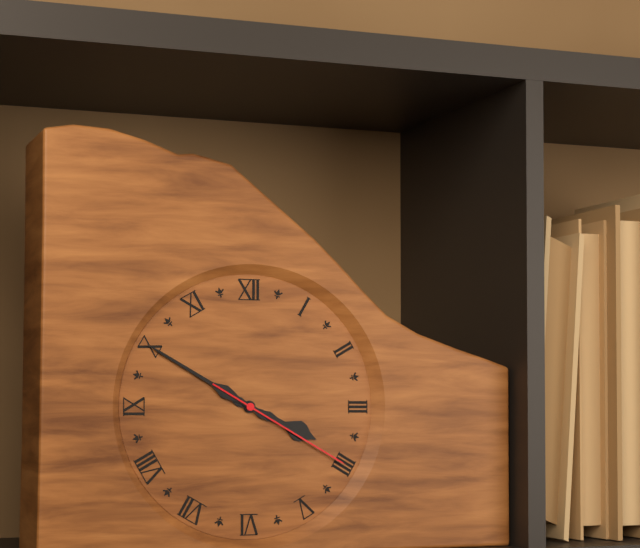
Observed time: 3:50:20
